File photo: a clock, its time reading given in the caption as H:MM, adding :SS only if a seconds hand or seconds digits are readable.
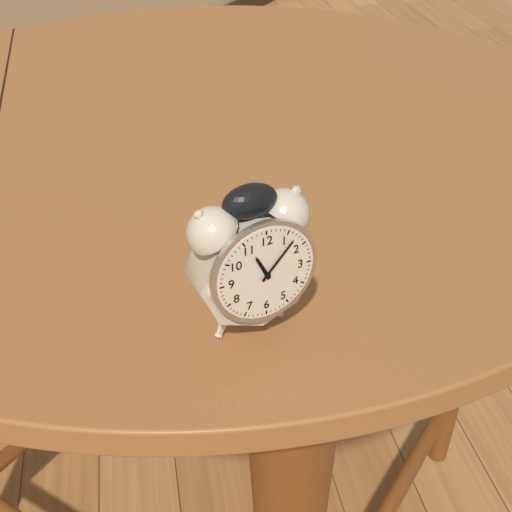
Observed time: 11:07
